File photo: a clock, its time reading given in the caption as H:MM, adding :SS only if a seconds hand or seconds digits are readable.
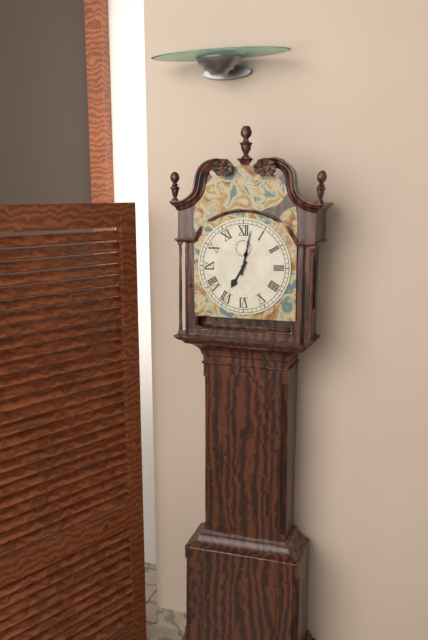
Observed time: 7:02
